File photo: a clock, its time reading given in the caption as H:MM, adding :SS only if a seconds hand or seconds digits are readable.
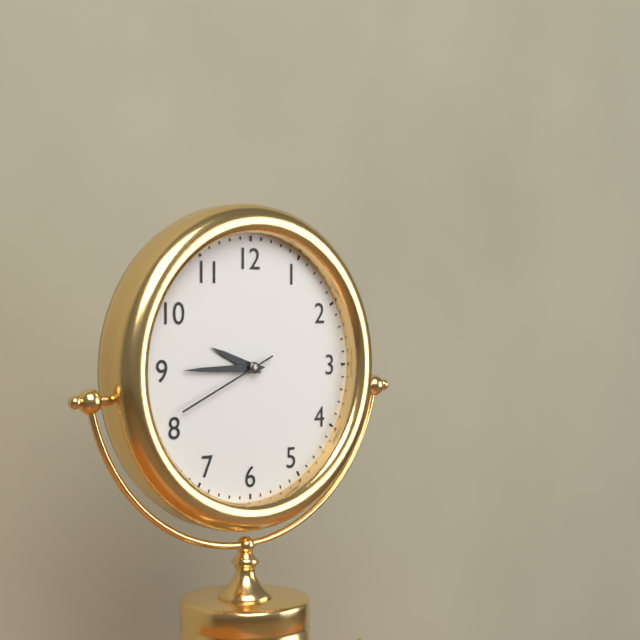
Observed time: 9:45:41
